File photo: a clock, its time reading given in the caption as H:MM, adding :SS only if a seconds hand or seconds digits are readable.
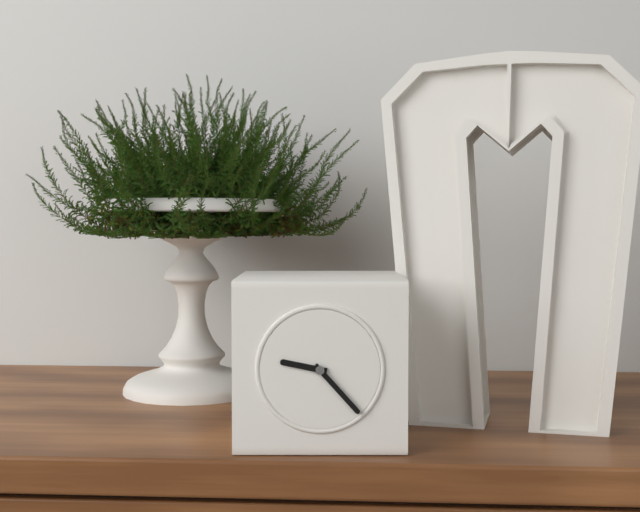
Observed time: 9:23
